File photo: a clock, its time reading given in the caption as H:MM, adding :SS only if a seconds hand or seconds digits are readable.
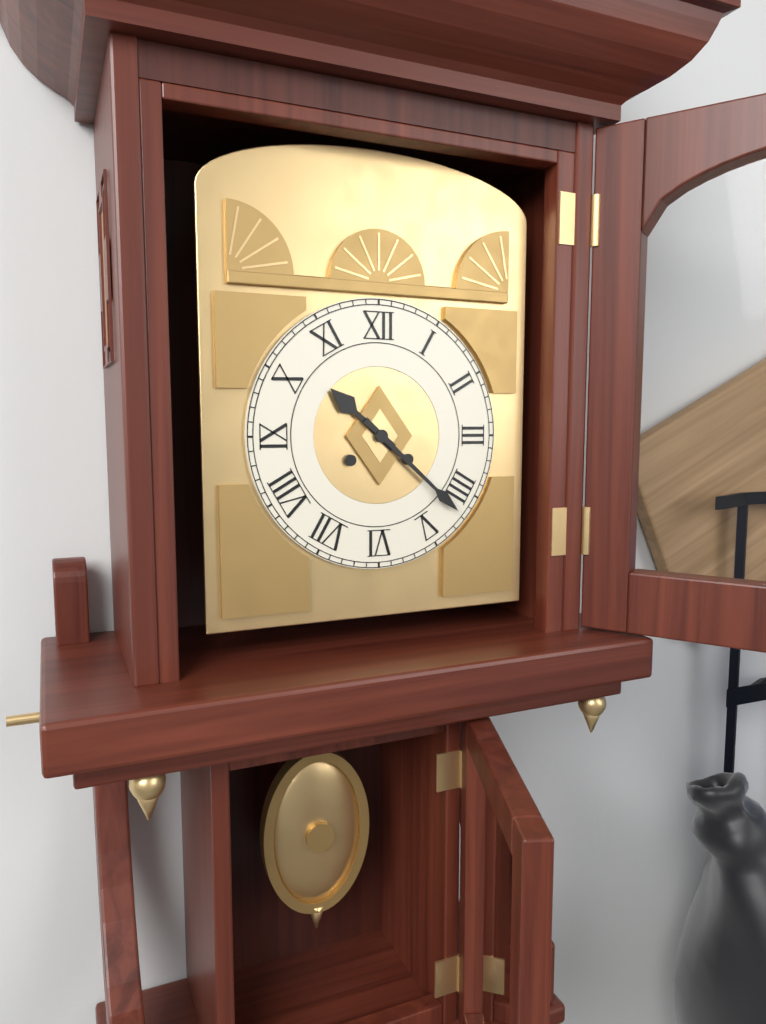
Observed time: 10:22
